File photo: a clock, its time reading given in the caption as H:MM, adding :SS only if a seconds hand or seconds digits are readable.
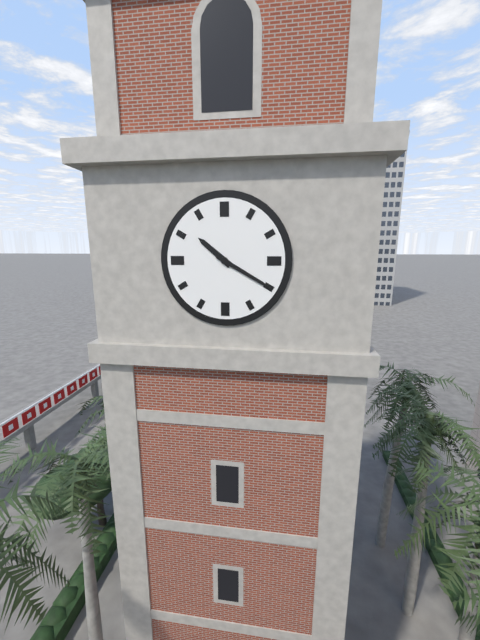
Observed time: 10:20
